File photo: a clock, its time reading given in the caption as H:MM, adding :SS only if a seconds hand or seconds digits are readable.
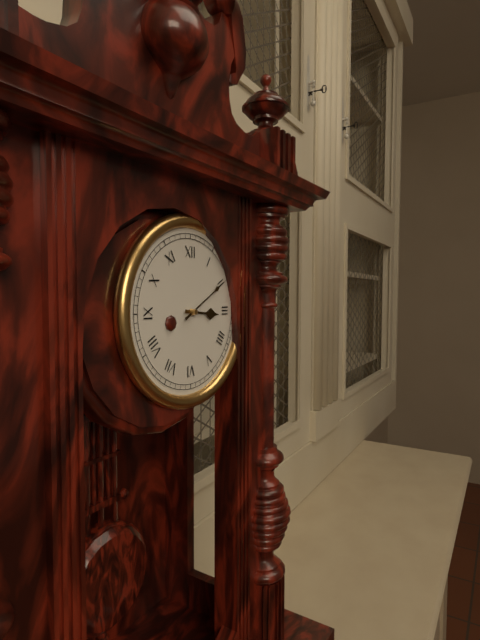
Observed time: 3:10
